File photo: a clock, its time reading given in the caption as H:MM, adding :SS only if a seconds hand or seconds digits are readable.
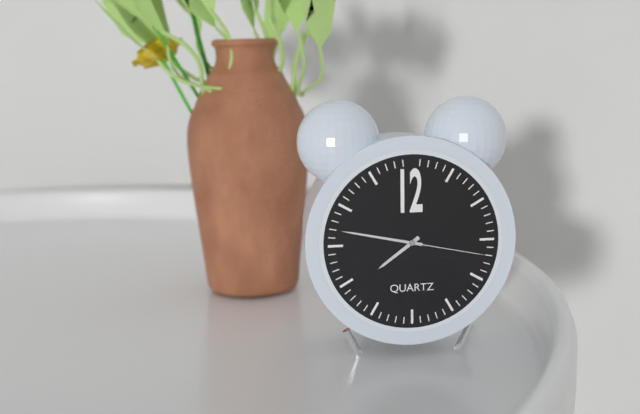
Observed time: 7:47:17
